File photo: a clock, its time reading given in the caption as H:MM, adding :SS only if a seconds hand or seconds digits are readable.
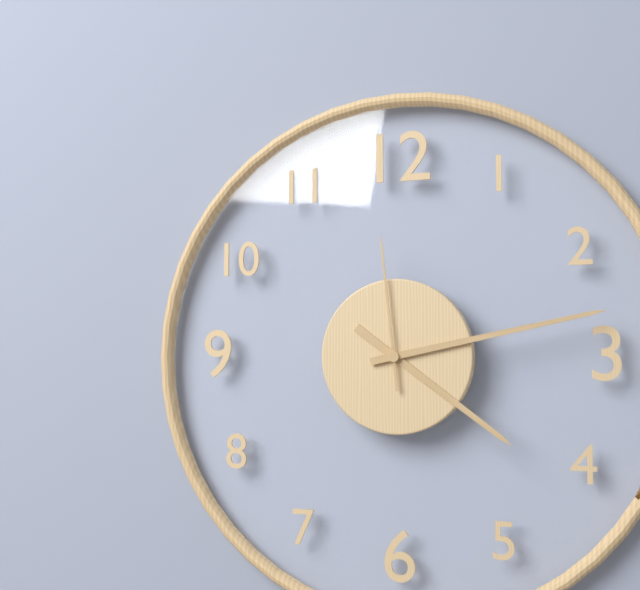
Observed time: 4:13:59
